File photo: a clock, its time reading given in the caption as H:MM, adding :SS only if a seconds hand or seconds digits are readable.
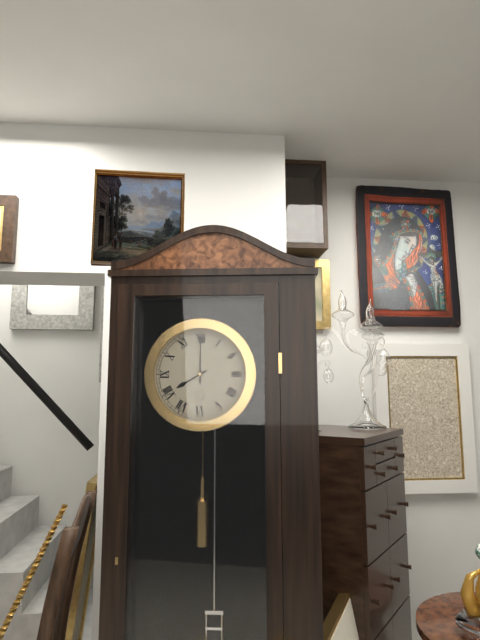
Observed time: 8:00
